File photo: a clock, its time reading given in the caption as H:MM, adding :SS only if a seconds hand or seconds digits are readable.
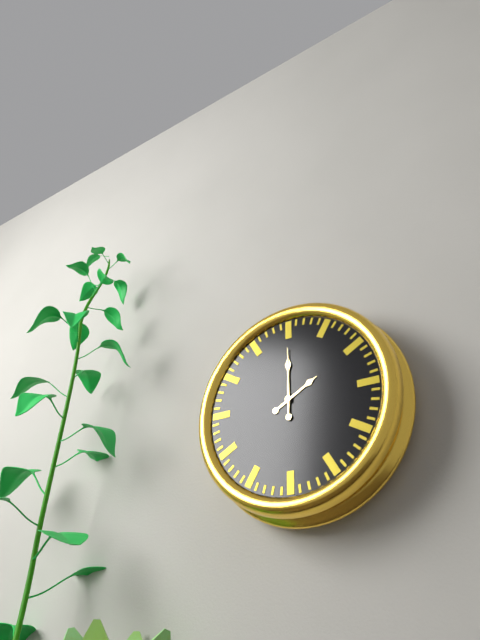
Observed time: 2:00:00
